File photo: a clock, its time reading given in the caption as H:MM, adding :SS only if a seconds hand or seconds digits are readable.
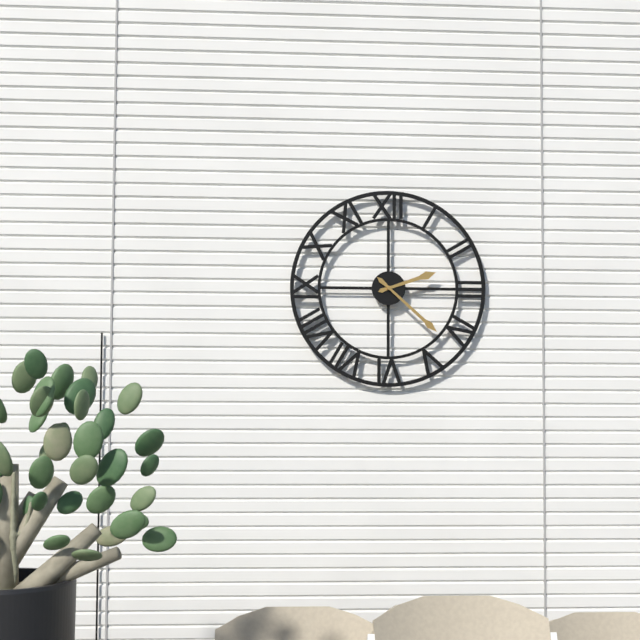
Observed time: 2:22
